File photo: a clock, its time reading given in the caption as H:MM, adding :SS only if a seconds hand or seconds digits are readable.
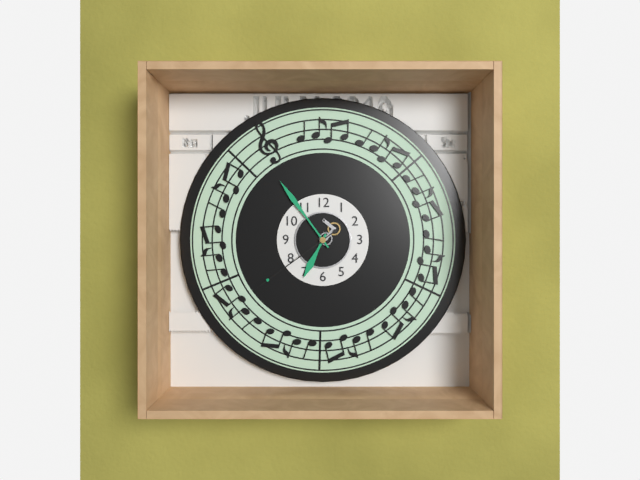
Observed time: 6:54:39
